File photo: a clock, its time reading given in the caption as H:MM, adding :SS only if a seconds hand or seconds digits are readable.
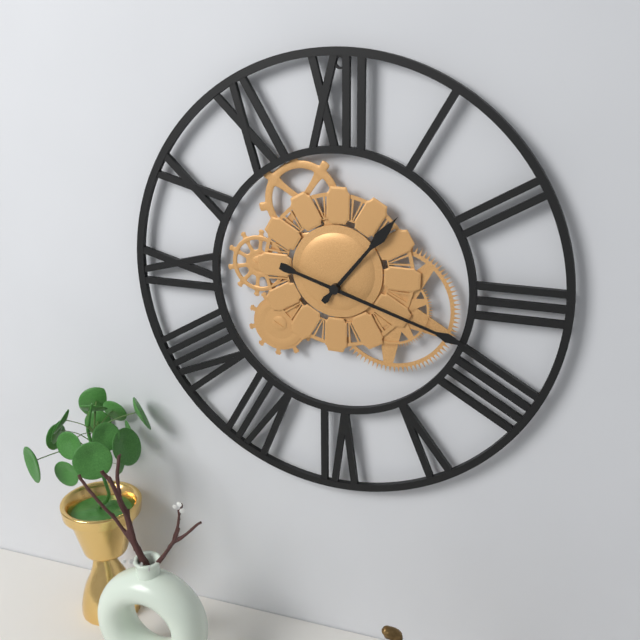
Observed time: 1:18
